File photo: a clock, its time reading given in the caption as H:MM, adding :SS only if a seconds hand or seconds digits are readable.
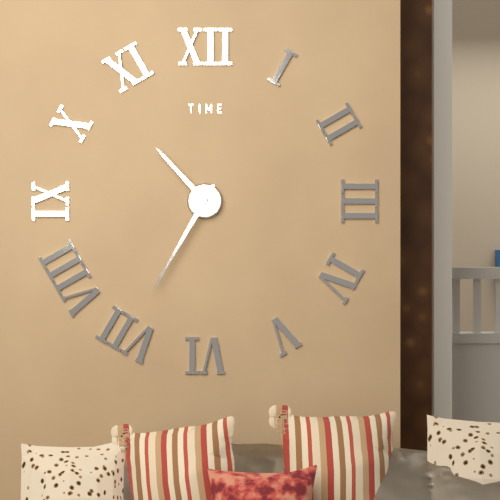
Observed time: 10:35
